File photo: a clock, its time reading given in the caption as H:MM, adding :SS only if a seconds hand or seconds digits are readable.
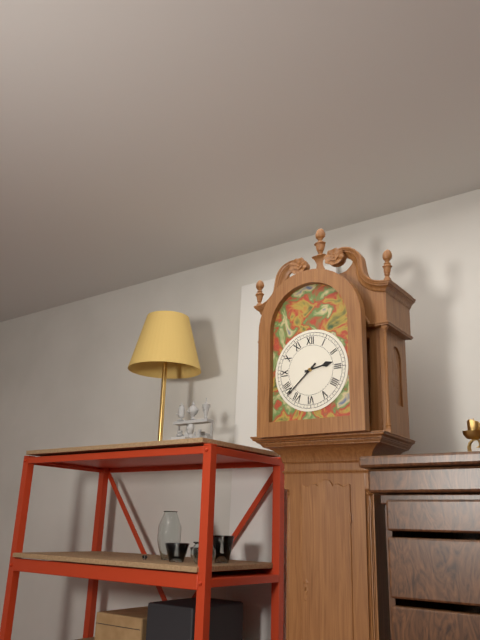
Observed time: 2:38
